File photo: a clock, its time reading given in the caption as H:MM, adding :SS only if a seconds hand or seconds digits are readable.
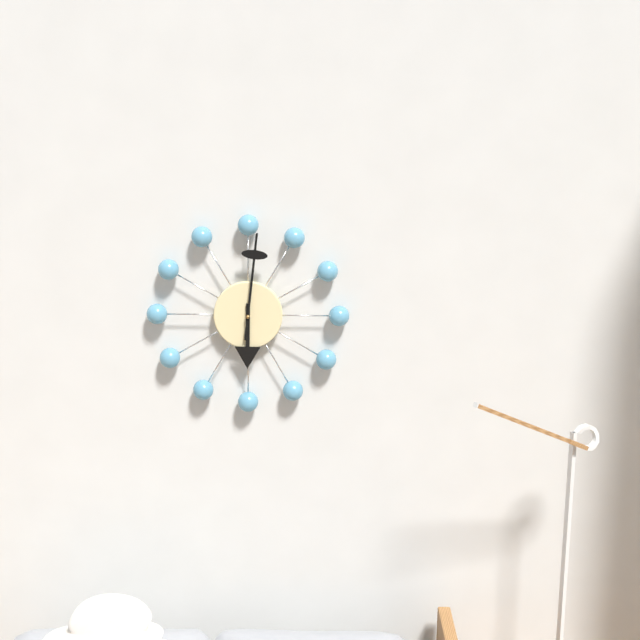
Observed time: 6:01
